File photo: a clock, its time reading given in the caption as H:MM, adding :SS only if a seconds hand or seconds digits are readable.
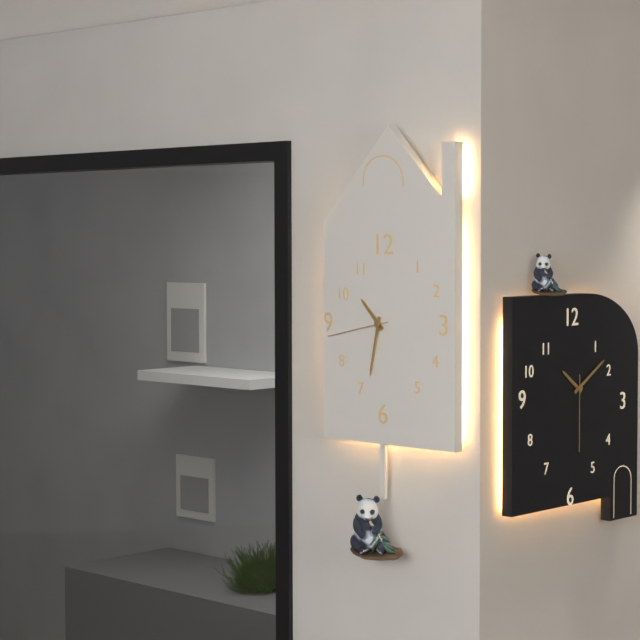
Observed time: 10:32:43
